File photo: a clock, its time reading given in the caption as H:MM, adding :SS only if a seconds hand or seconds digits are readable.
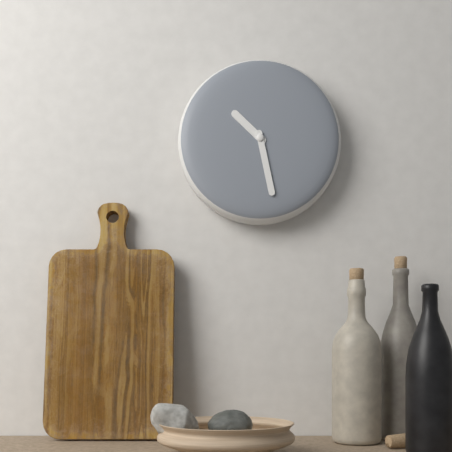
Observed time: 10:28
